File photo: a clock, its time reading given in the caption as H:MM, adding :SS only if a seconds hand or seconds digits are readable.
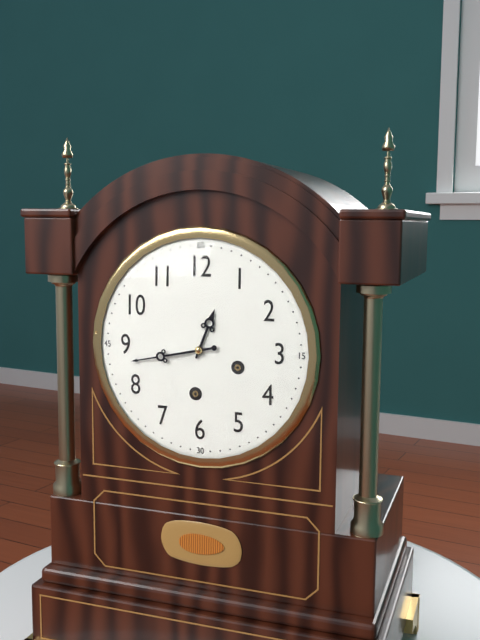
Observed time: 12:43
